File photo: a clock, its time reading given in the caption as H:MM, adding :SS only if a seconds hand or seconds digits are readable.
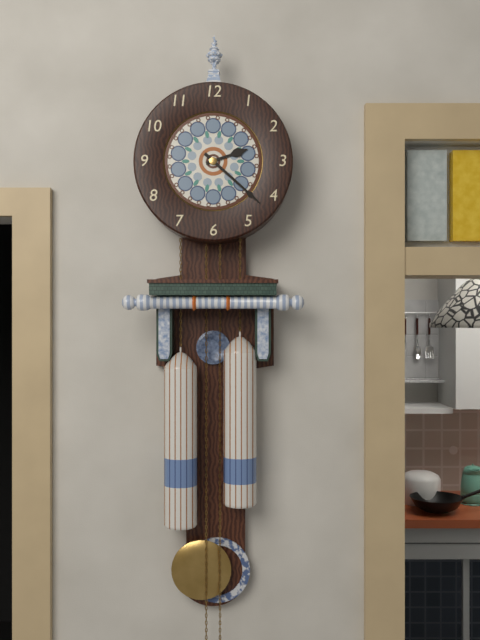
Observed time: 2:22
